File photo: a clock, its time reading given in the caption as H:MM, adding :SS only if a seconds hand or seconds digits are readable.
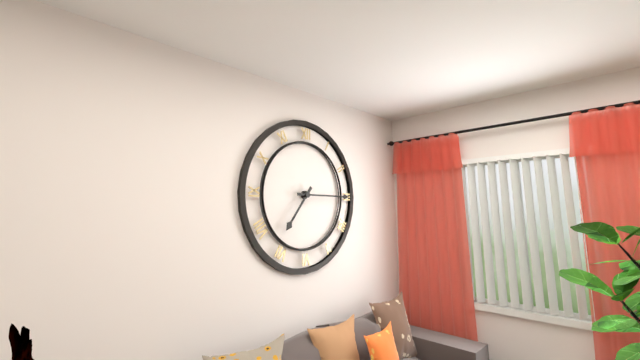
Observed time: 7:15
